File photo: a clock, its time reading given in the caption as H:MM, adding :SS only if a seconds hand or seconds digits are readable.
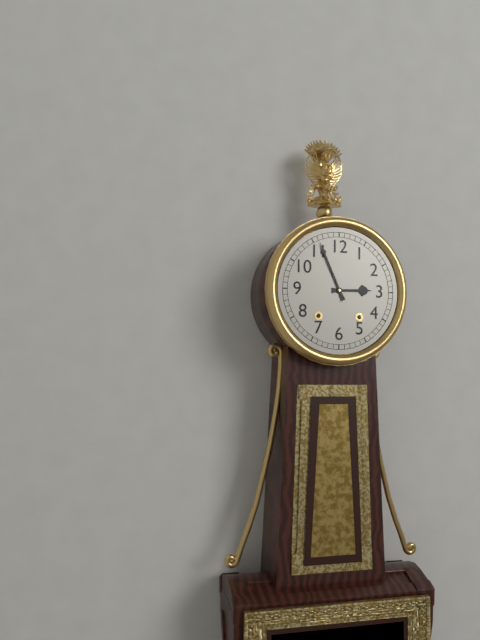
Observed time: 2:56
